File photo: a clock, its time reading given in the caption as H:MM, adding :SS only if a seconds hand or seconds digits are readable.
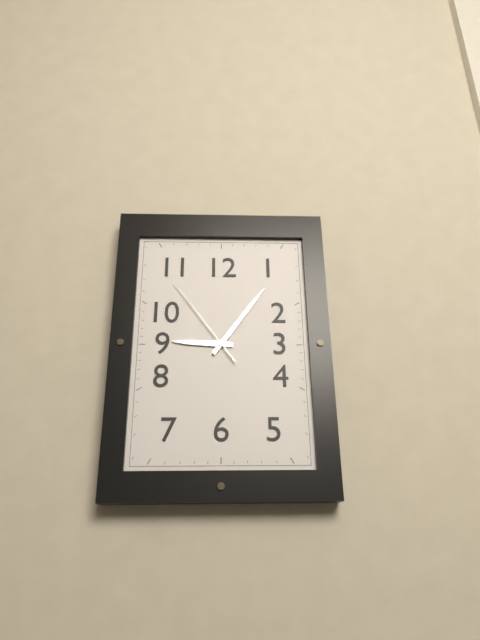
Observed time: 9:06:54
